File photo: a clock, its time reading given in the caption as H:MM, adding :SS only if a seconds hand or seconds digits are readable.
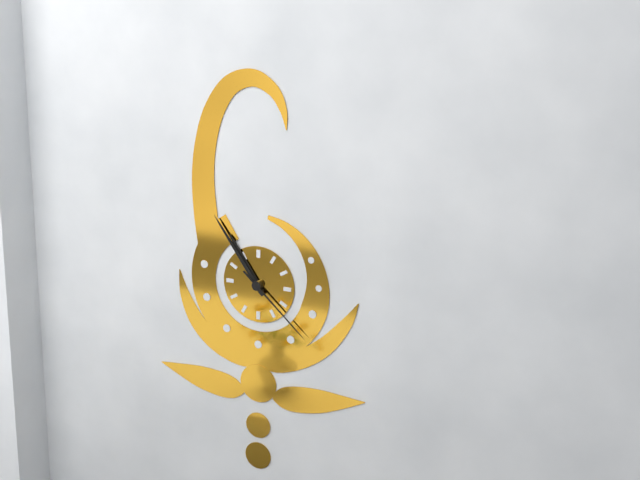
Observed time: 10:54:22
